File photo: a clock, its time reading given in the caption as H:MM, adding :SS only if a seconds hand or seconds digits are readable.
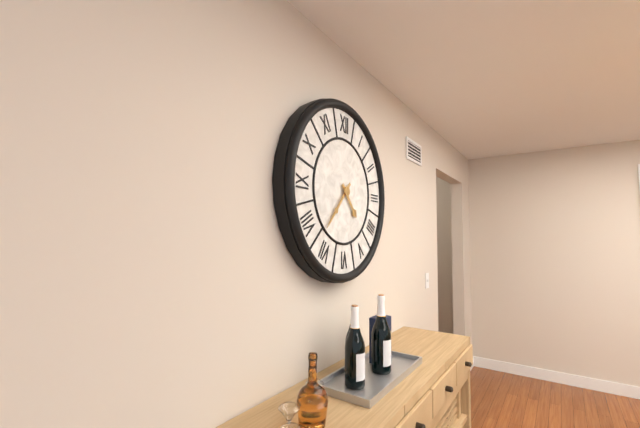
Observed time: 4:37
